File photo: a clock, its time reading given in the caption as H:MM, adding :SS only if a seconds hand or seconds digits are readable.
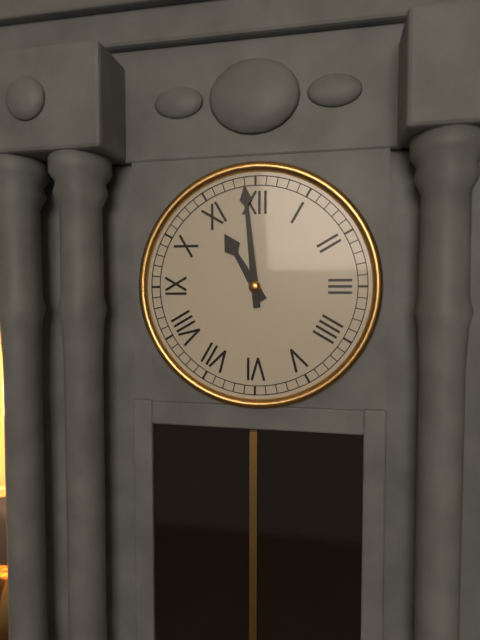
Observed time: 10:59
